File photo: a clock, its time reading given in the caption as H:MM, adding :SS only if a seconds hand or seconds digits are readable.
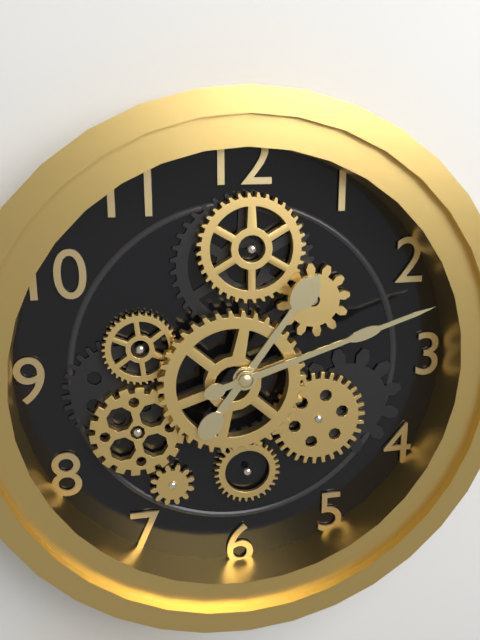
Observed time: 1:12
